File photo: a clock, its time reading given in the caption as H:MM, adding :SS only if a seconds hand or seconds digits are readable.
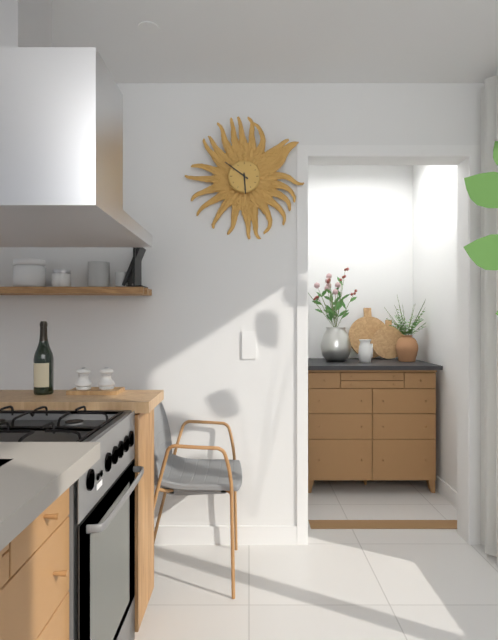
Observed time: 5:51
